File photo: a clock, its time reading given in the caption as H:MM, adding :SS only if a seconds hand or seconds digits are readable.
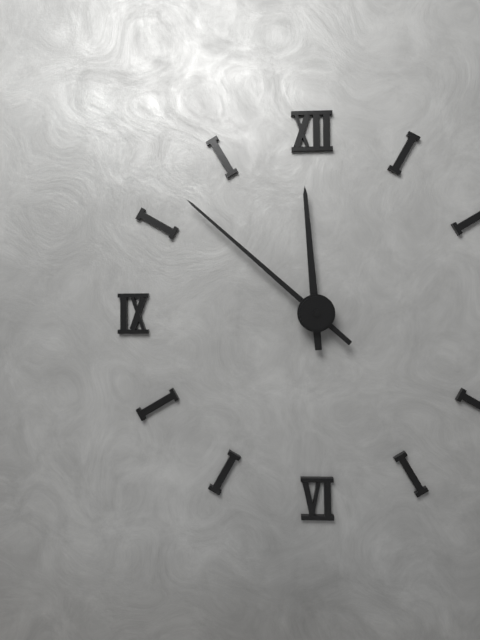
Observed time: 11:52
